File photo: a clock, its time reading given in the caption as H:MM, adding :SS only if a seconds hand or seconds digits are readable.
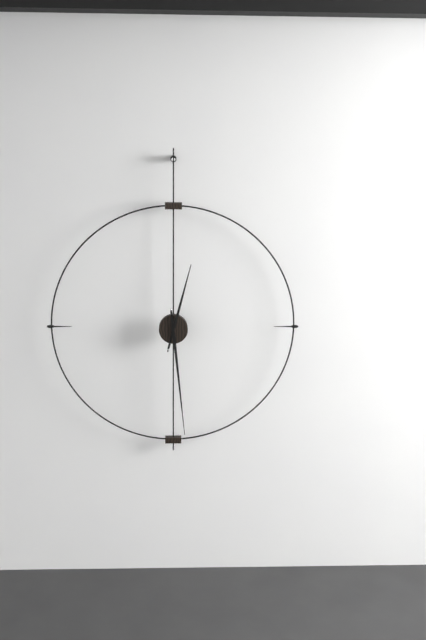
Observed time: 12:29
